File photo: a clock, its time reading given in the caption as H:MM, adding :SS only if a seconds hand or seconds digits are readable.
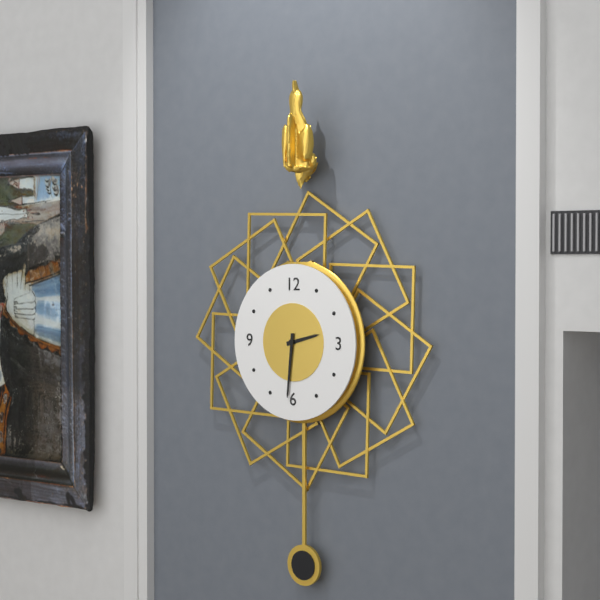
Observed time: 2:31
